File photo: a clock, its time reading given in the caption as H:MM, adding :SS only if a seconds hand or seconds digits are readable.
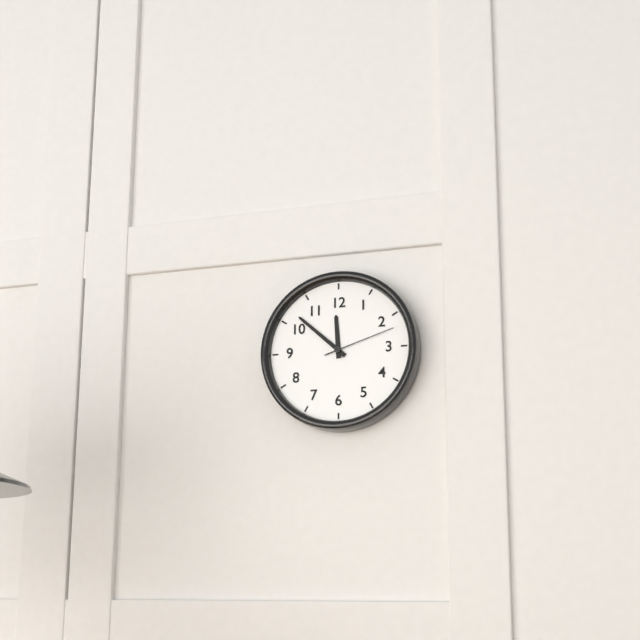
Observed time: 11:52:12
